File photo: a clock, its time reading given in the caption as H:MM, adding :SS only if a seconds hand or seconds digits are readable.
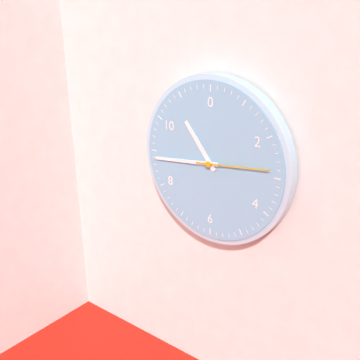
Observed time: 10:44:14
